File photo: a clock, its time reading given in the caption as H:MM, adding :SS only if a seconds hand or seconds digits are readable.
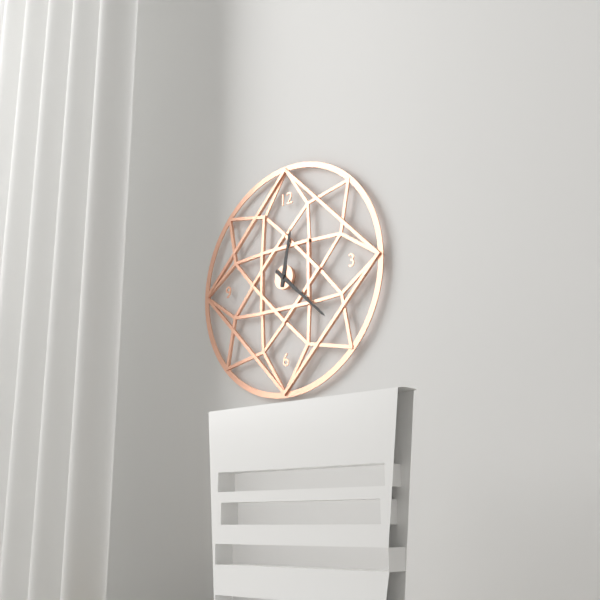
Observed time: 12:22
